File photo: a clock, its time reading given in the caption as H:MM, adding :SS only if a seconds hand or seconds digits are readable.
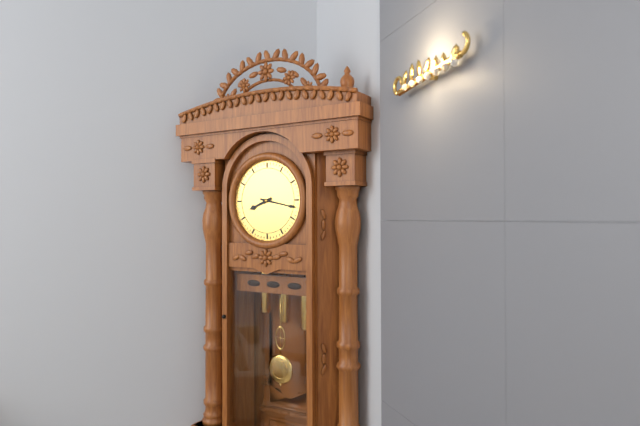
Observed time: 8:17
